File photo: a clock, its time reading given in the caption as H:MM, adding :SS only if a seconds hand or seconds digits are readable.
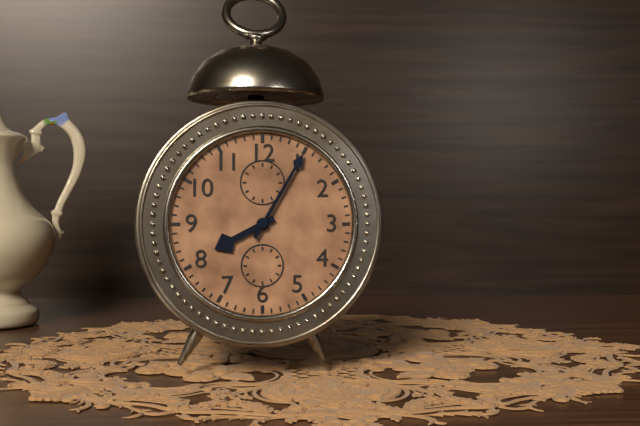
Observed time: 8:05
